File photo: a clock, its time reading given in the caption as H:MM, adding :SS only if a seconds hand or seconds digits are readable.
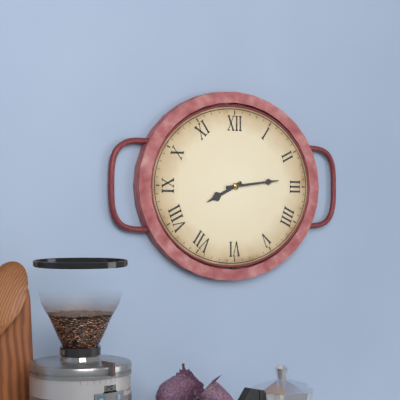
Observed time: 8:14
